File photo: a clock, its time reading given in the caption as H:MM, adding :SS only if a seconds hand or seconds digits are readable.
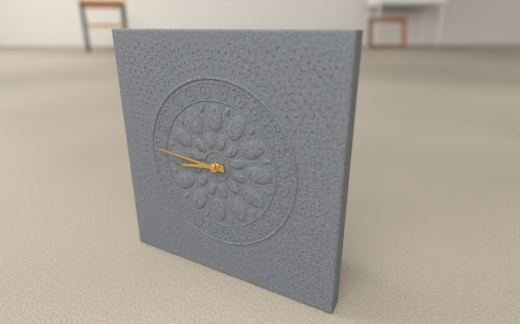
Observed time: 8:46
